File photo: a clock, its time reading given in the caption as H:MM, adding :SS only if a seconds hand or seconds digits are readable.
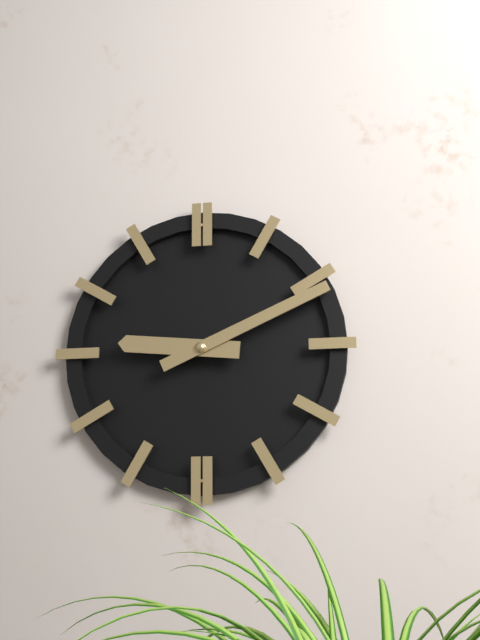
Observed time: 9:11
